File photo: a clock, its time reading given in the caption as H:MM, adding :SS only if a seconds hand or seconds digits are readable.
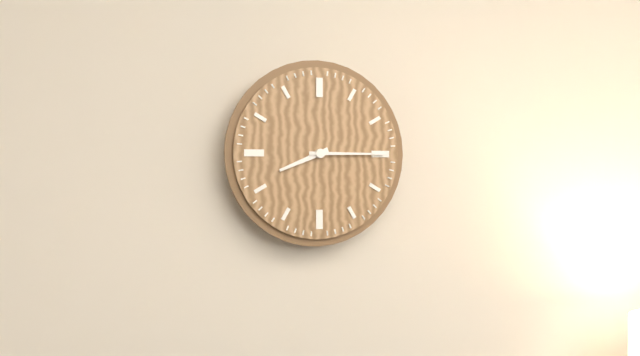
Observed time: 8:15
